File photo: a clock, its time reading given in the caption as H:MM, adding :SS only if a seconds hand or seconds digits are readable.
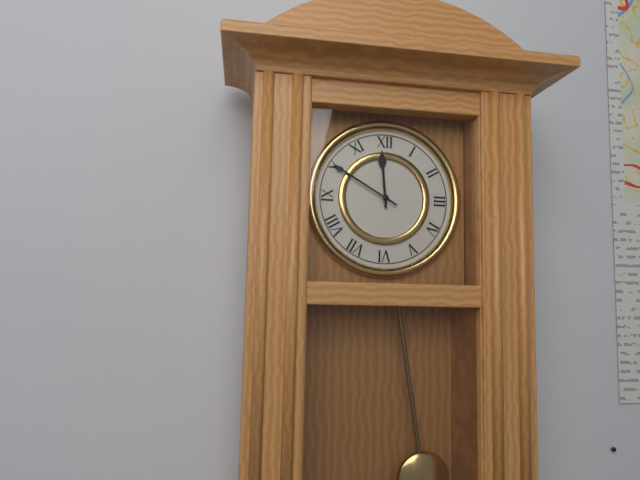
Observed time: 11:50
